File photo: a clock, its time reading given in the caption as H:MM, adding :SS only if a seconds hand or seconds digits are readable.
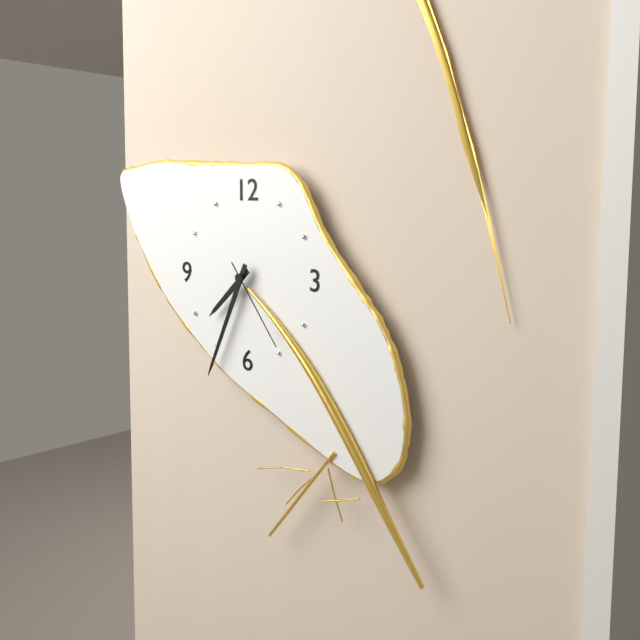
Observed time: 7:34:24
